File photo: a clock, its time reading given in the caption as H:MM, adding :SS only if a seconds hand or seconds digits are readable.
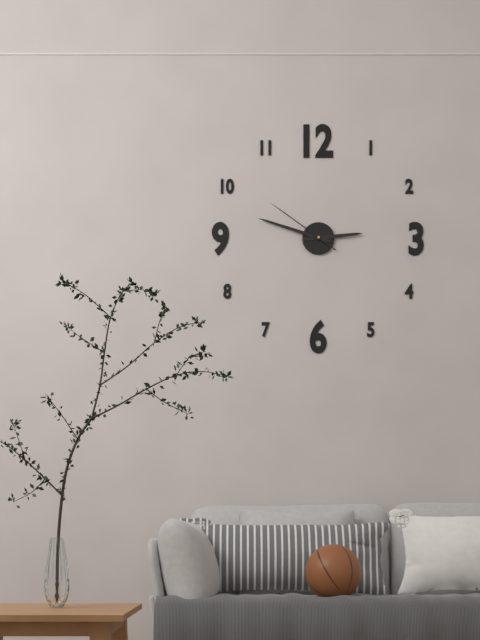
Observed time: 2:48:51
